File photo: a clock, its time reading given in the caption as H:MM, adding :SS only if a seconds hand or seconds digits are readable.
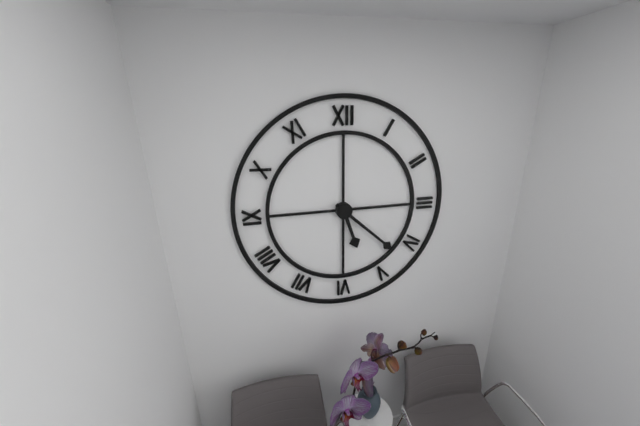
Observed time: 5:22
